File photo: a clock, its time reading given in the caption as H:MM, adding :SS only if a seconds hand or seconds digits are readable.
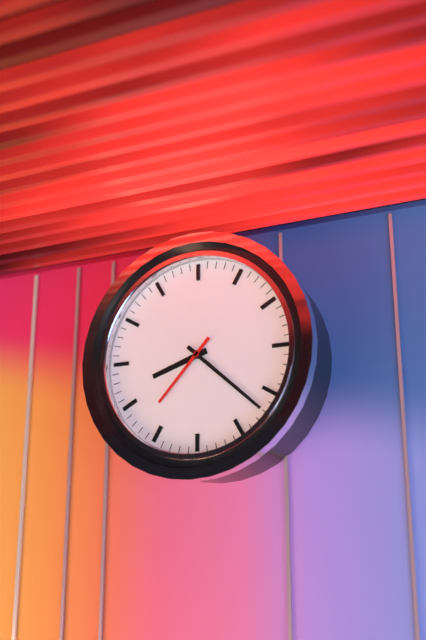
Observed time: 8:22:37
